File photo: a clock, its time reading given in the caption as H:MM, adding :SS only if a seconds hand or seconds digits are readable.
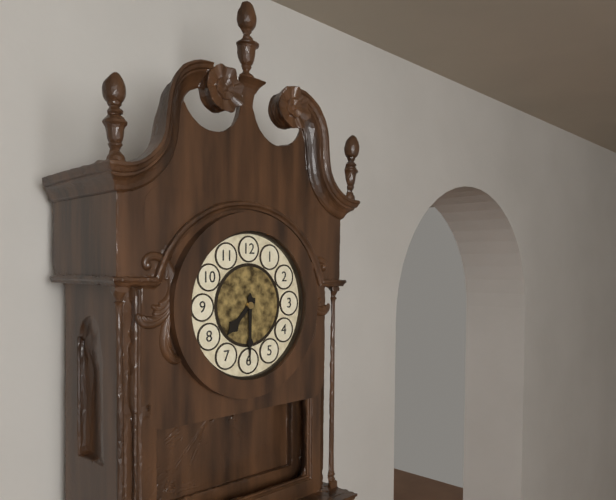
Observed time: 7:30
